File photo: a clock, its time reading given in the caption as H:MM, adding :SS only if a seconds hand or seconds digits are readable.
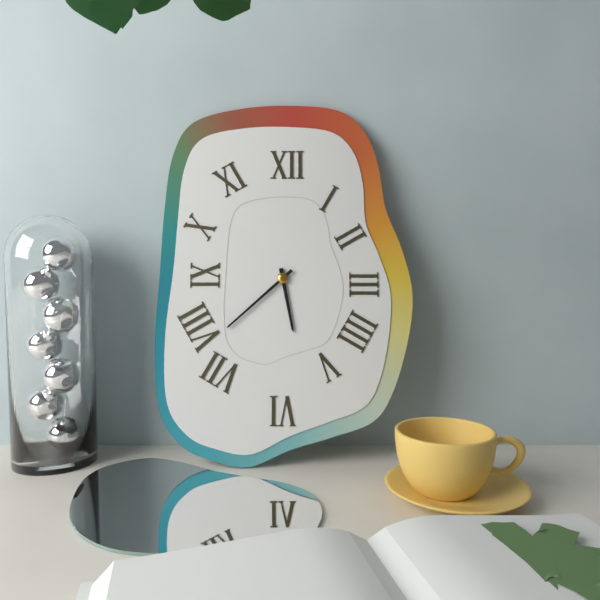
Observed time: 5:38
